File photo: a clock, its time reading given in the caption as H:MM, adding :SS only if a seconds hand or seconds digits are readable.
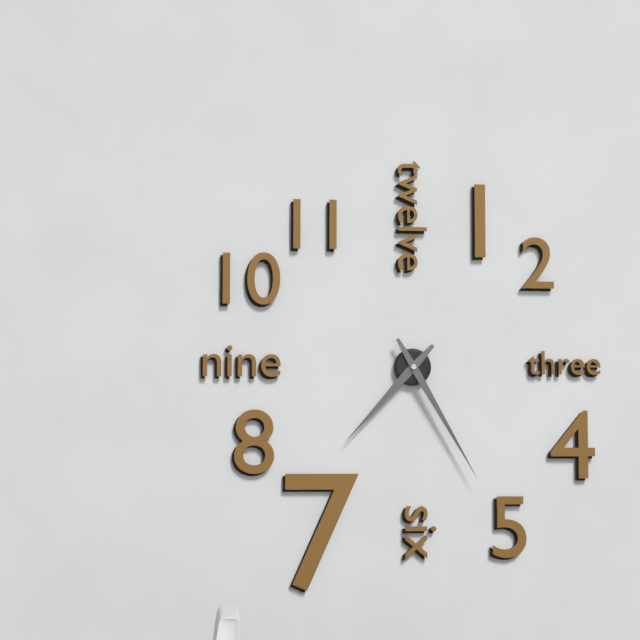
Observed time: 7:25
